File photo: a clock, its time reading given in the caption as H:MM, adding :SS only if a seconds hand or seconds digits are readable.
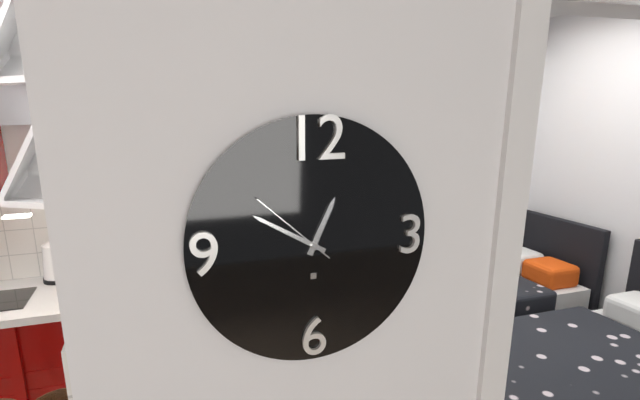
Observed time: 12:50:52
